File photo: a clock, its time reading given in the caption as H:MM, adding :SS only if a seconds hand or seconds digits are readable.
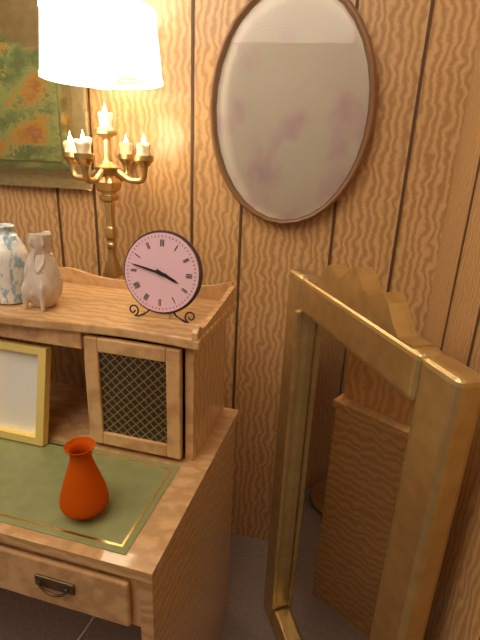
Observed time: 3:47
